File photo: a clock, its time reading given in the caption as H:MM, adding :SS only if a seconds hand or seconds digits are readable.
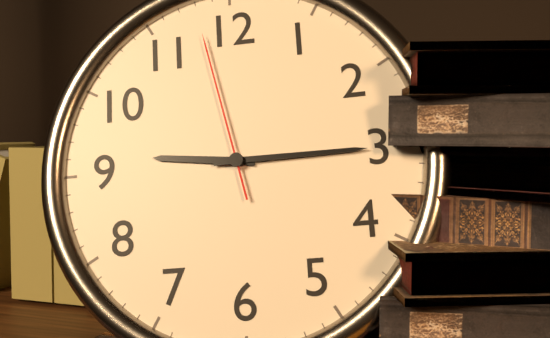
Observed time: 9:15:58
